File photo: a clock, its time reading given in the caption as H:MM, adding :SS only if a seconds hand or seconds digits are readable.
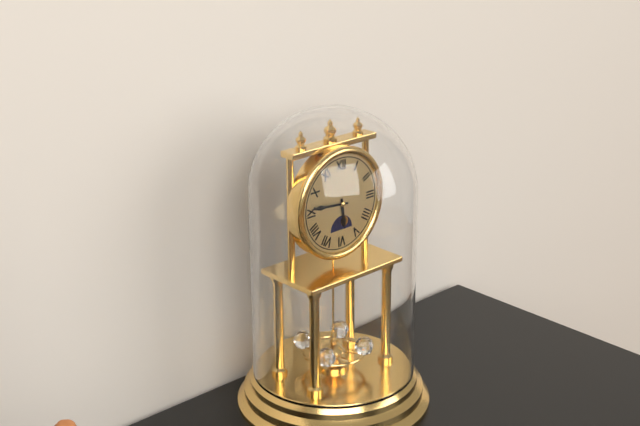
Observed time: 5:46
